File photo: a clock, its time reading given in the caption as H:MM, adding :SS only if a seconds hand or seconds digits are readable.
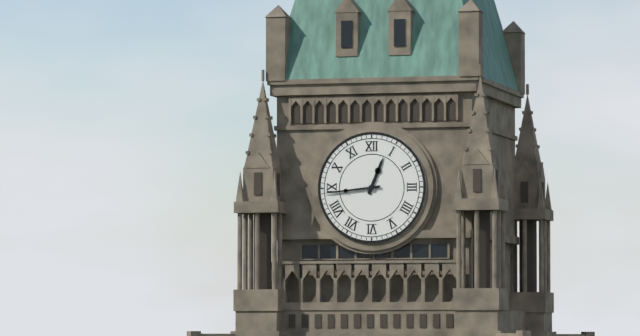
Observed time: 12:44
